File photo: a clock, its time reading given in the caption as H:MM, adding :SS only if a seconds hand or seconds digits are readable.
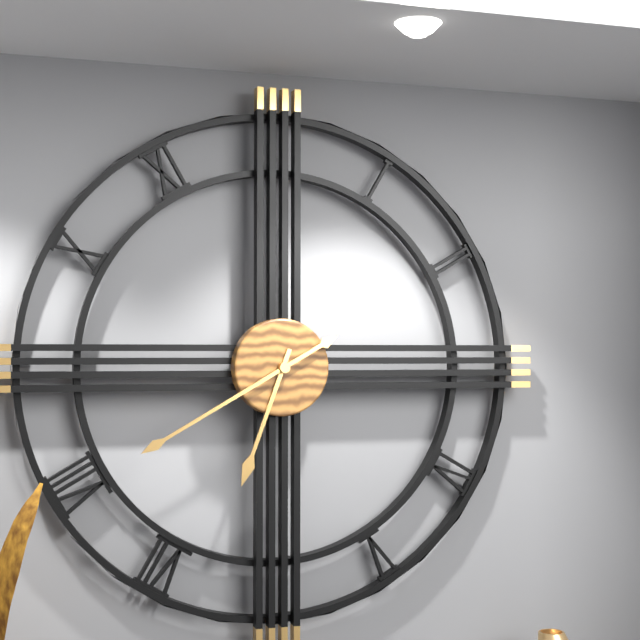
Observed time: 6:40
